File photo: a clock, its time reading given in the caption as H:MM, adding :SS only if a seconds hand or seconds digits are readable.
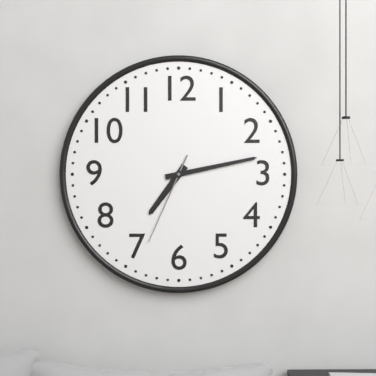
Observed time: 7:13:34
